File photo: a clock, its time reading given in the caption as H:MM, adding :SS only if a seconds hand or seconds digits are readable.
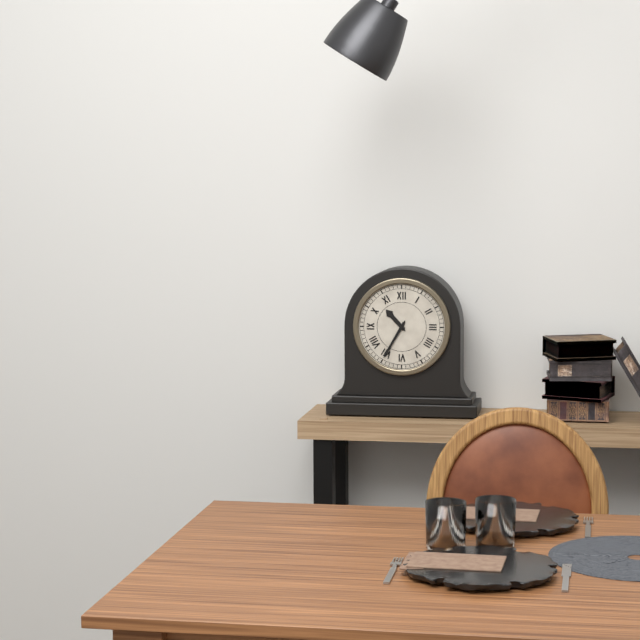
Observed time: 10:35
